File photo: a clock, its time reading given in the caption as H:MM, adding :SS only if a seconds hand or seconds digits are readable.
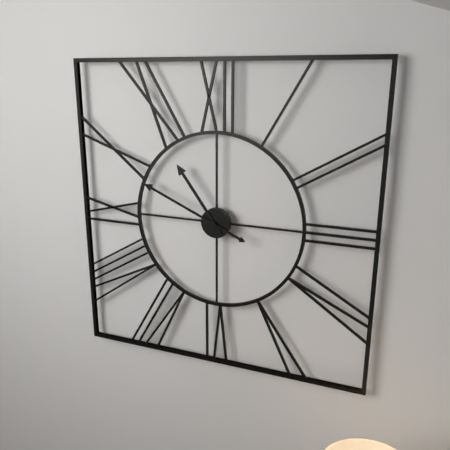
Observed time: 10:49
